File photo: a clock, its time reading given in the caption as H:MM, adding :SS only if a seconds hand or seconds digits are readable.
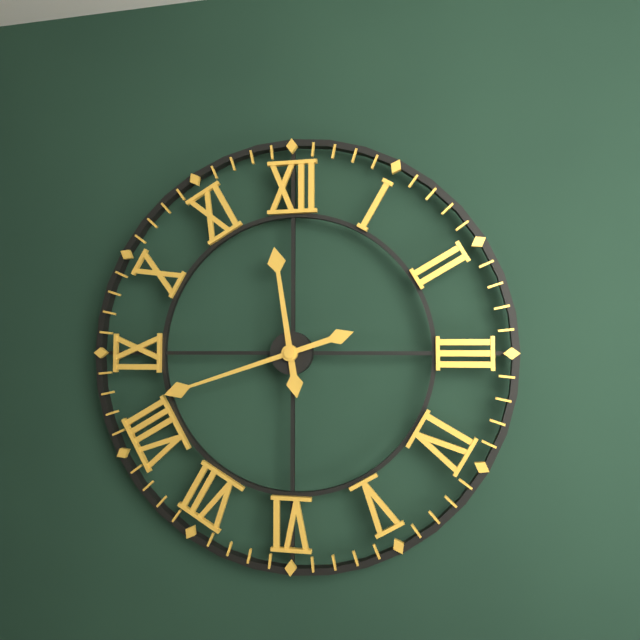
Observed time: 11:42
